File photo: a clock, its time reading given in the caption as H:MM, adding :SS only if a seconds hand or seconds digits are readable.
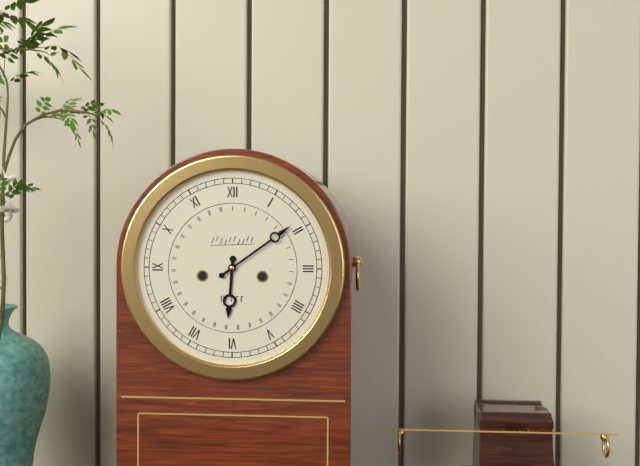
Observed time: 6:09
